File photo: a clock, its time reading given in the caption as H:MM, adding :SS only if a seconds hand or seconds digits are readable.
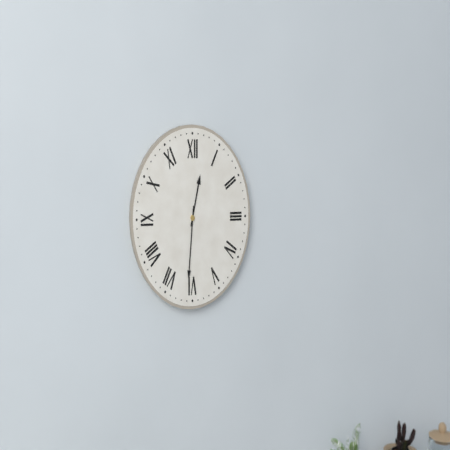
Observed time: 12:31
